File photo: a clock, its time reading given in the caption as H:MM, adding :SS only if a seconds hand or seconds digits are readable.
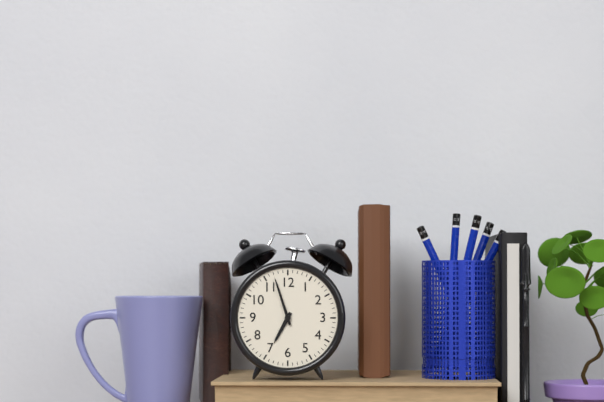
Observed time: 6:57
